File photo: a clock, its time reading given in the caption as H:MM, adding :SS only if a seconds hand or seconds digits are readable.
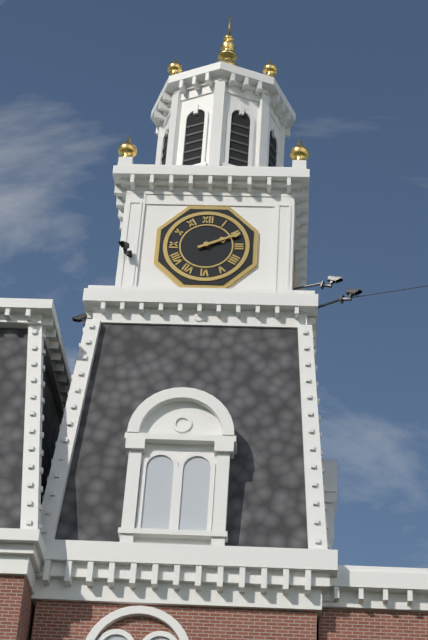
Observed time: 2:11
